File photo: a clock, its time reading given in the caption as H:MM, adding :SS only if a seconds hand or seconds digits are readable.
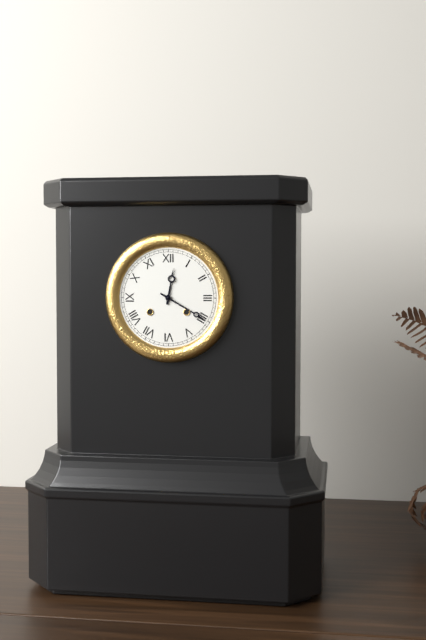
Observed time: 12:20
